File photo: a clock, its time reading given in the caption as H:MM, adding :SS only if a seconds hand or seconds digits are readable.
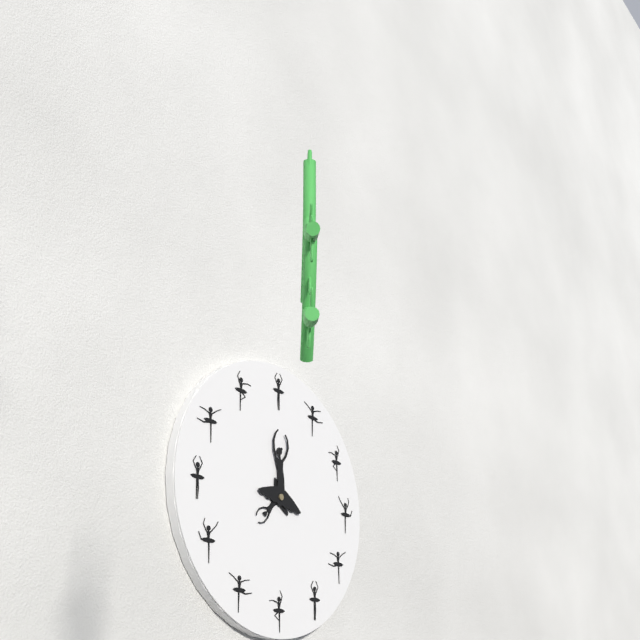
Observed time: 8:02
